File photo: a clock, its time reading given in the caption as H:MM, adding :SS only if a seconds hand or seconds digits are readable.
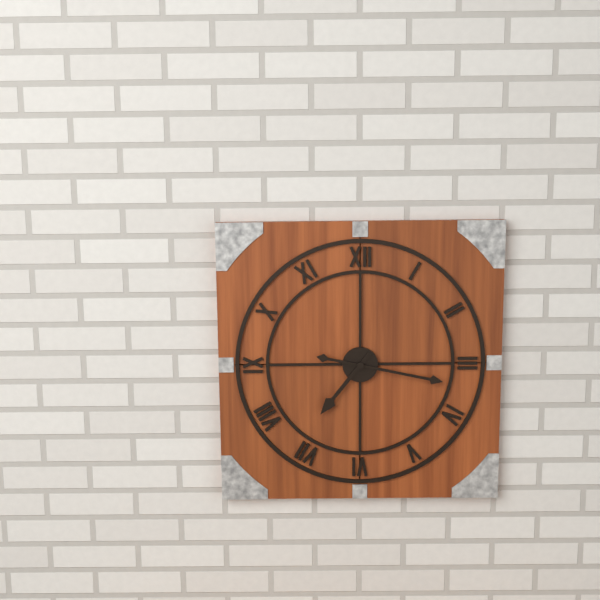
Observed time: 7:17
